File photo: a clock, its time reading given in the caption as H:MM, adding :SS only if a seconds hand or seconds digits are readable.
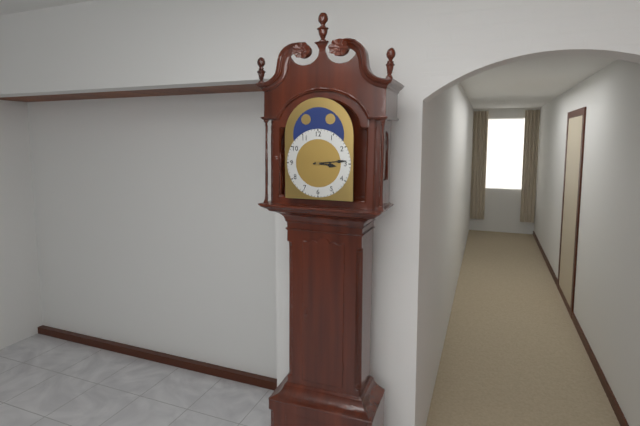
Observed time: 3:14
